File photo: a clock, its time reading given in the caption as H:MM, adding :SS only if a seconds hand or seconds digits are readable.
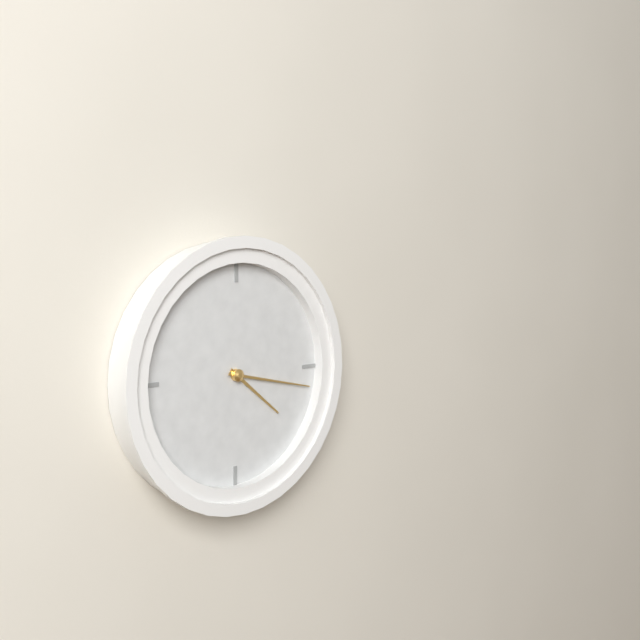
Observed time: 4:17
